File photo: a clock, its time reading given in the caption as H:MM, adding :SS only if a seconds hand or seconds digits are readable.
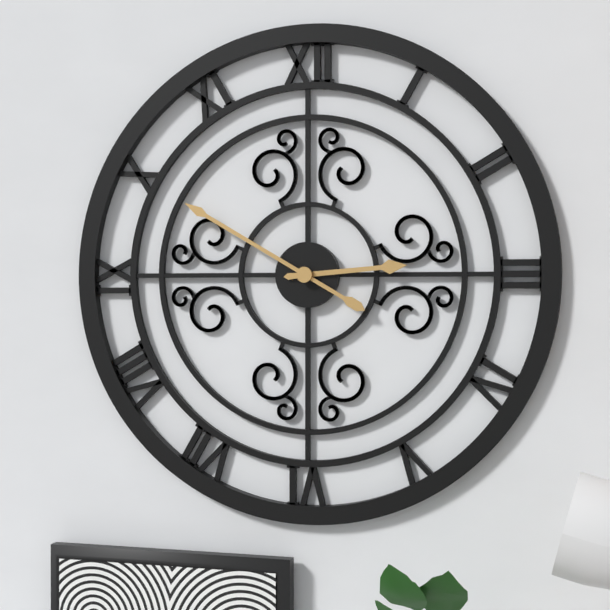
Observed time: 2:50
